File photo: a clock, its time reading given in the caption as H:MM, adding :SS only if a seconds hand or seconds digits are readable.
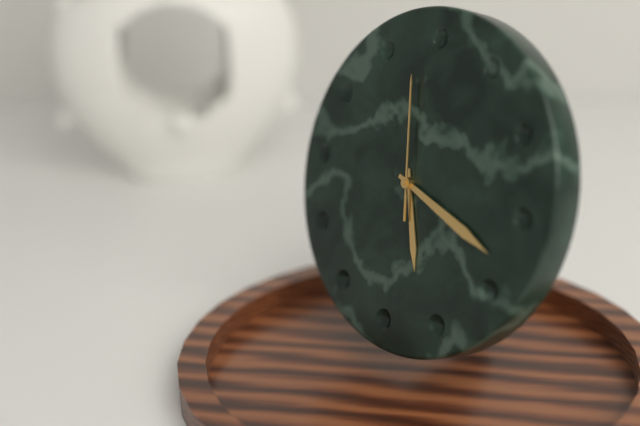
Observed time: 5:18:58
